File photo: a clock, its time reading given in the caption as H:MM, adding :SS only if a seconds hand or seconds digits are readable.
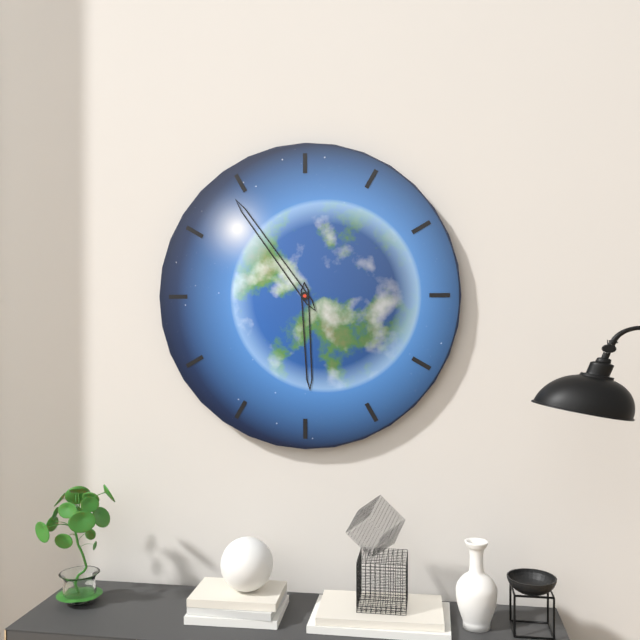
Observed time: 5:54
